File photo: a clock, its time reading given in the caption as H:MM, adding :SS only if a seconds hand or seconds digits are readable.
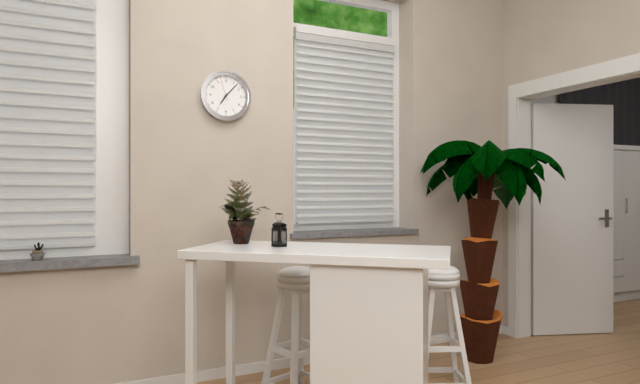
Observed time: 7:07
